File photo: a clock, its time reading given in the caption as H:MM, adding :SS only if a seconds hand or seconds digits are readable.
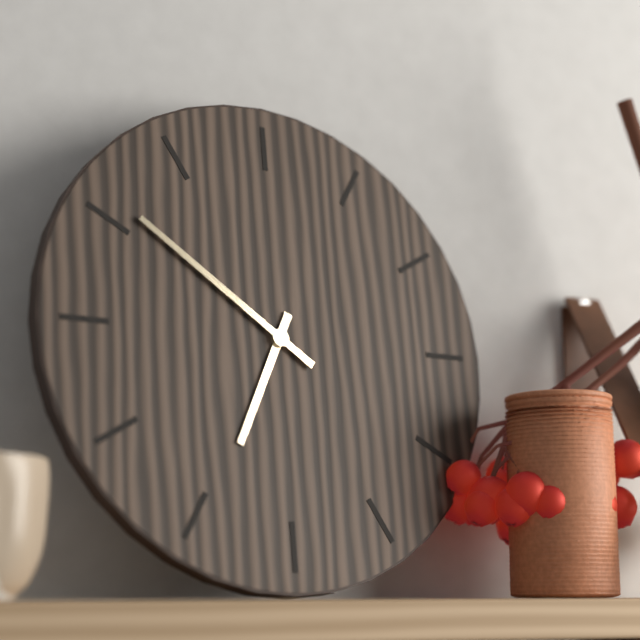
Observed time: 6:51
